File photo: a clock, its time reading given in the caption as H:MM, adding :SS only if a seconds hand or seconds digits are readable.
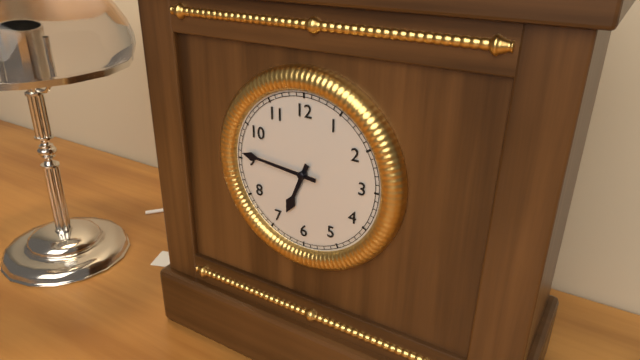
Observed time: 6:46
